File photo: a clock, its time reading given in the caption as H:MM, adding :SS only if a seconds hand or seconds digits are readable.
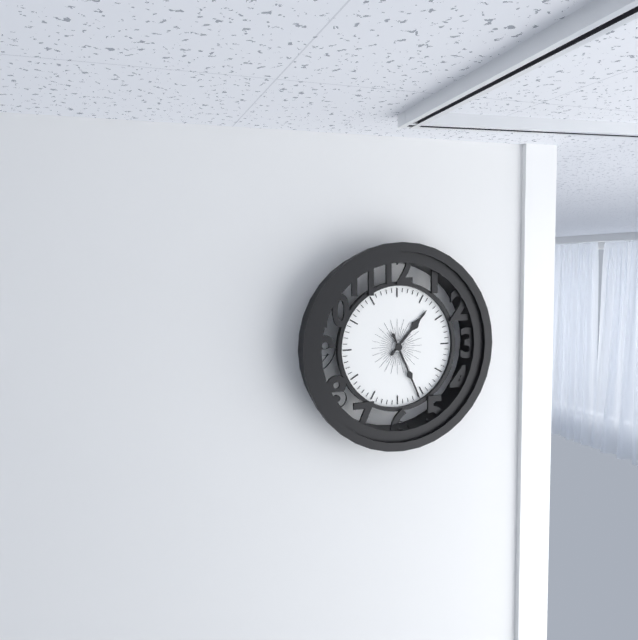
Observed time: 1:26
